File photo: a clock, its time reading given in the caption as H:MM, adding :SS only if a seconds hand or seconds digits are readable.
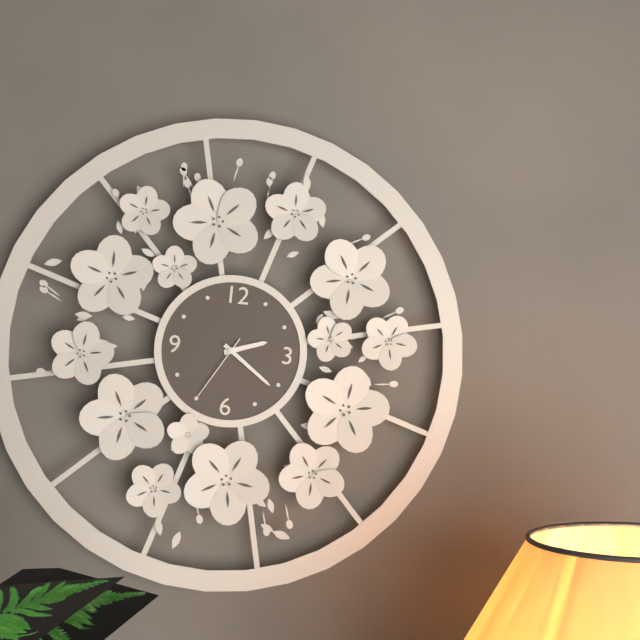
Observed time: 2:21:35
